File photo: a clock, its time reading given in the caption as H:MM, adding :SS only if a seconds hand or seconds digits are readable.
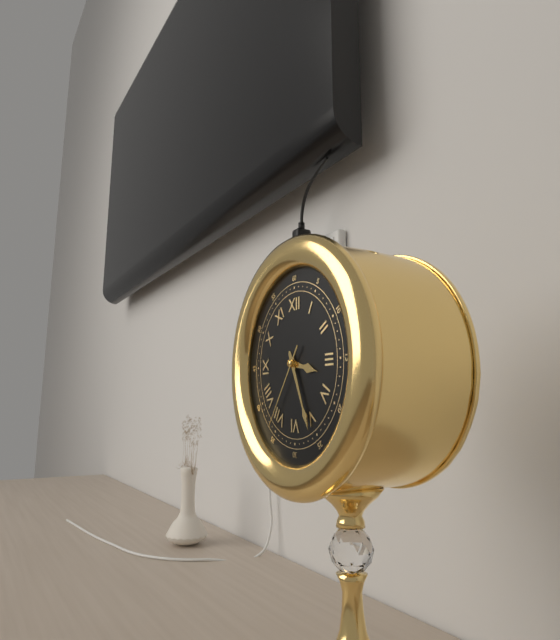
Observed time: 3:26:36
